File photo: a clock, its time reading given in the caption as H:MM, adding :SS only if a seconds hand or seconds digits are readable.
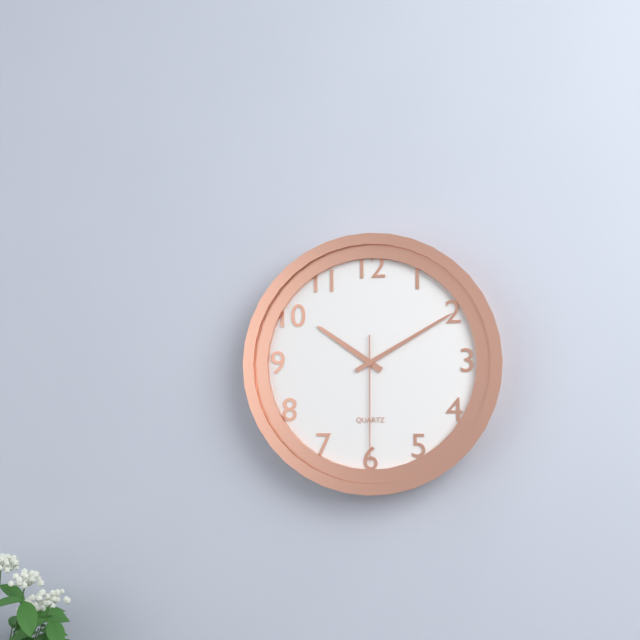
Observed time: 10:10:30
